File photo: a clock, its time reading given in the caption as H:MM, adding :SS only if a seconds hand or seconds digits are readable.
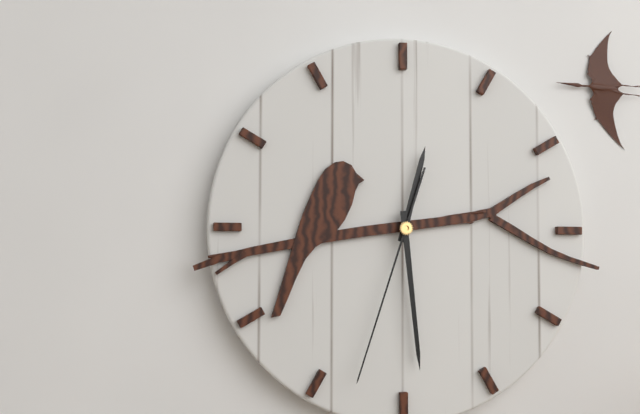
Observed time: 12:29:33
